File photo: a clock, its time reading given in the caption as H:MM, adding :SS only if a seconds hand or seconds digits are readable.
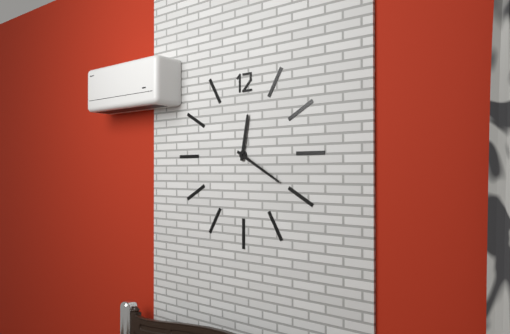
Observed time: 12:20
